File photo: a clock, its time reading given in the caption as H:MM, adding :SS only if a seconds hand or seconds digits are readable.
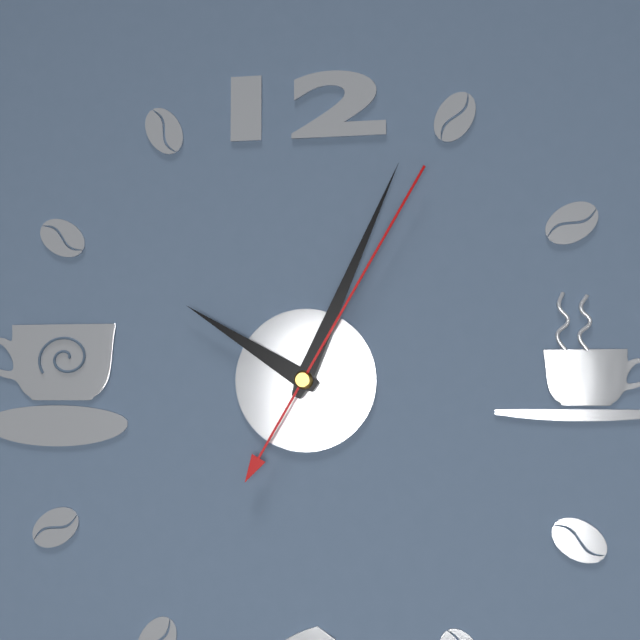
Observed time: 10:04:05
